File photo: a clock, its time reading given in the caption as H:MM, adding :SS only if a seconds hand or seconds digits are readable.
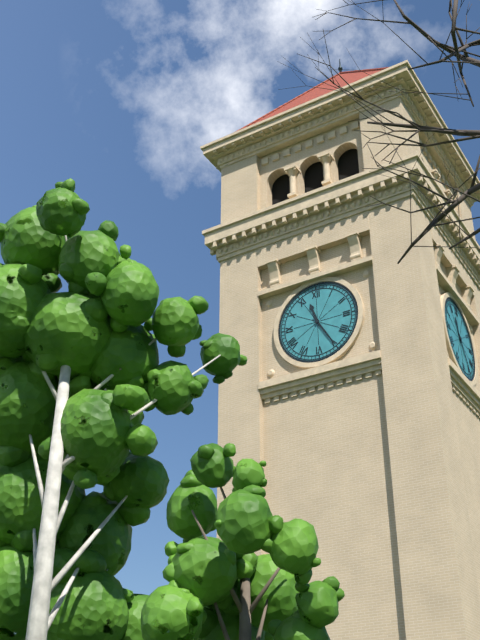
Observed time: 11:25
